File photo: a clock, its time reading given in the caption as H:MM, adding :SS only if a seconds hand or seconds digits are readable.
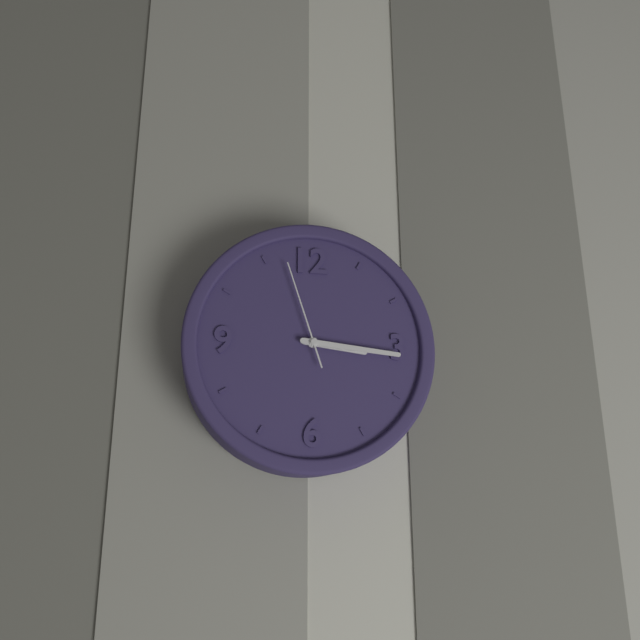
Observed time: 3:16:57
